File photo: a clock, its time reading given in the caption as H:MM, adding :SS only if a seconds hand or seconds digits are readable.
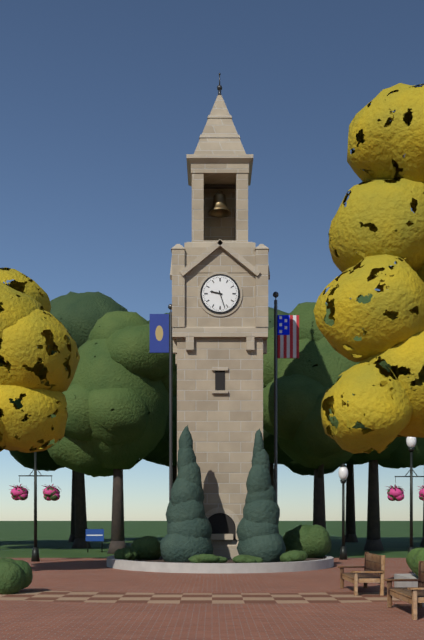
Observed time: 9:27
